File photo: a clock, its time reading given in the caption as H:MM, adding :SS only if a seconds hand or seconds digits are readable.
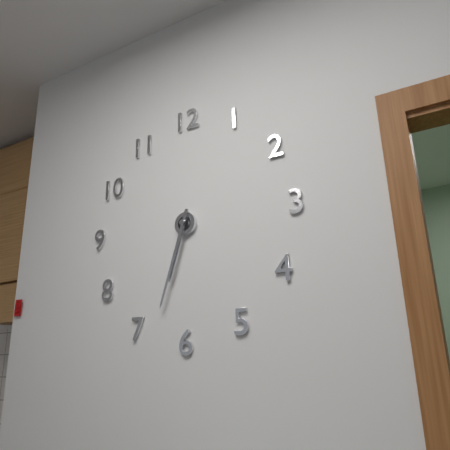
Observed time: 6:33
